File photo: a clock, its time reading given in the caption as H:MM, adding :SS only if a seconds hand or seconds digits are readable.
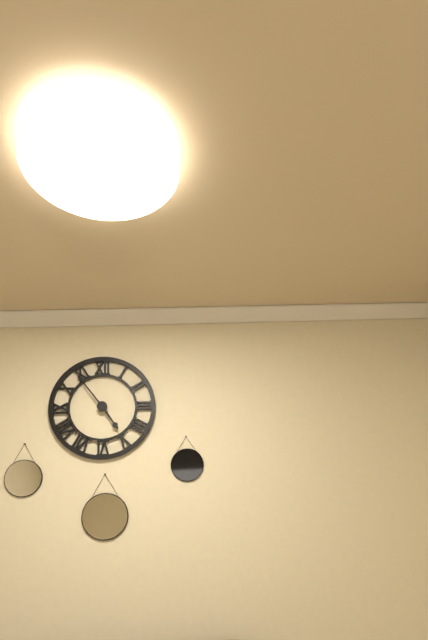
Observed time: 4:54
